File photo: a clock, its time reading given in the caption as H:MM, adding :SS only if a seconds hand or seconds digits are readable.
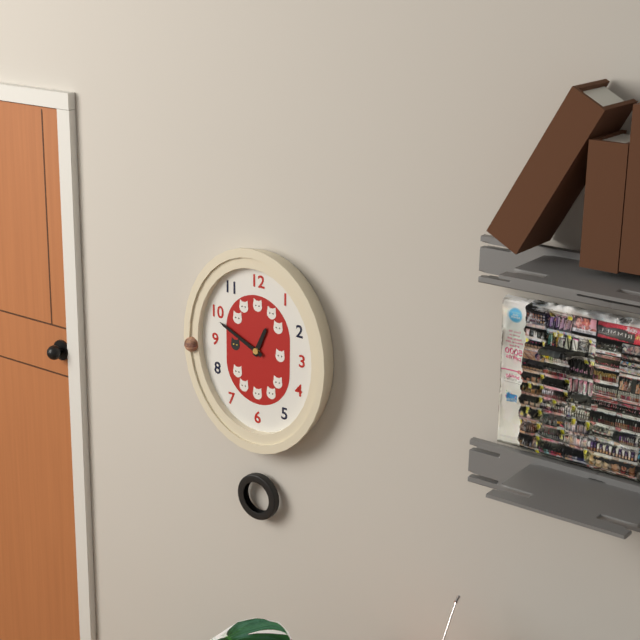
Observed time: 12:49
